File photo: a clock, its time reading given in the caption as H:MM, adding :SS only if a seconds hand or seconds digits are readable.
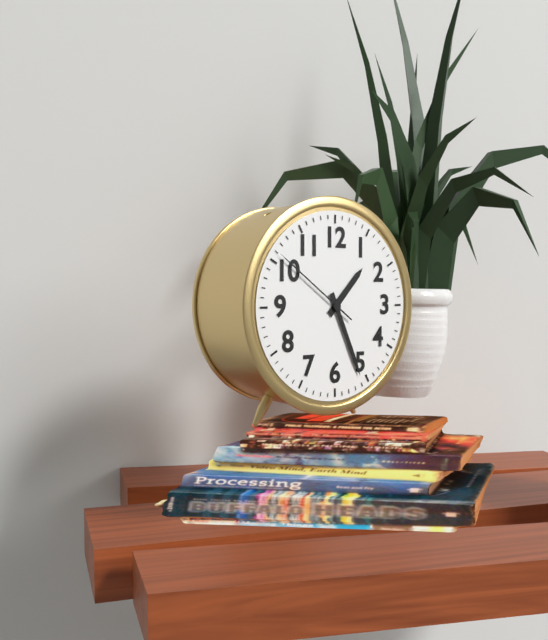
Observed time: 1:26:51
